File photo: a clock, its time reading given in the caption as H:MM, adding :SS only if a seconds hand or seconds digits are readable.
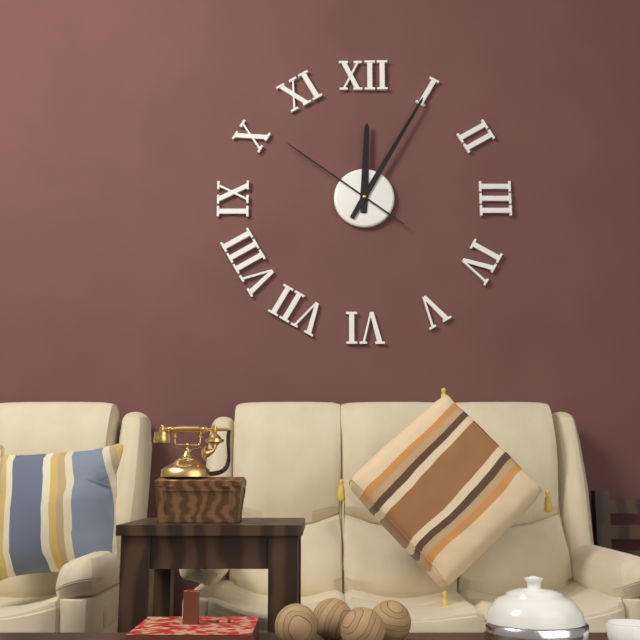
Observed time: 12:05:51
